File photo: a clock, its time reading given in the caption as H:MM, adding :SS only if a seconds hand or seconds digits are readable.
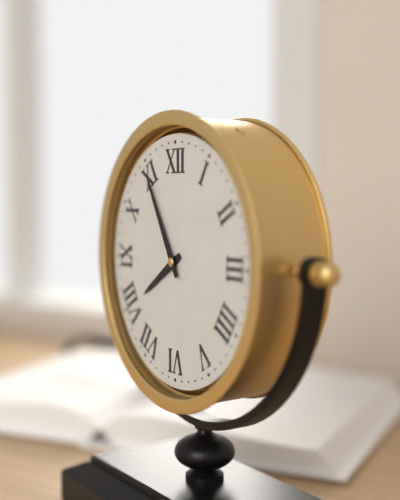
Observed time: 7:55
